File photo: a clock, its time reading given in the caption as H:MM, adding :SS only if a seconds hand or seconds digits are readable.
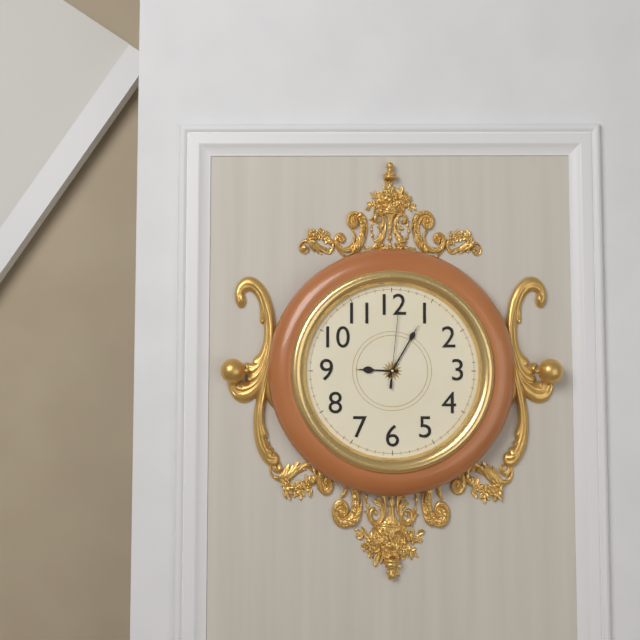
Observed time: 9:05:01
